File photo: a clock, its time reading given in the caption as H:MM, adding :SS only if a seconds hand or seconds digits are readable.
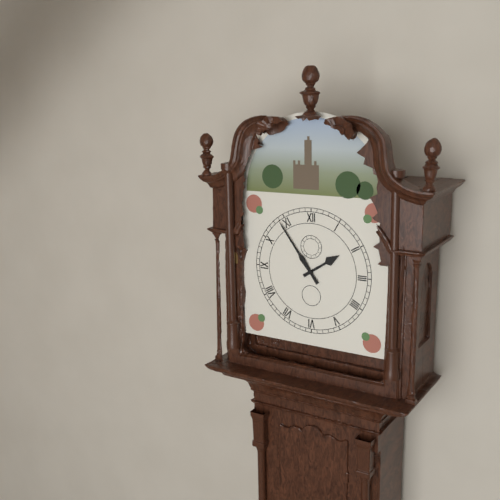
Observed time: 1:54
